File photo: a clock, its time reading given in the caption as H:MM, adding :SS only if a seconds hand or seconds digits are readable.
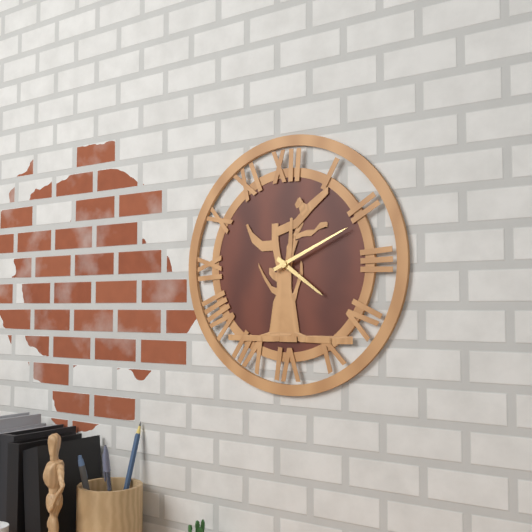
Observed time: 4:11
